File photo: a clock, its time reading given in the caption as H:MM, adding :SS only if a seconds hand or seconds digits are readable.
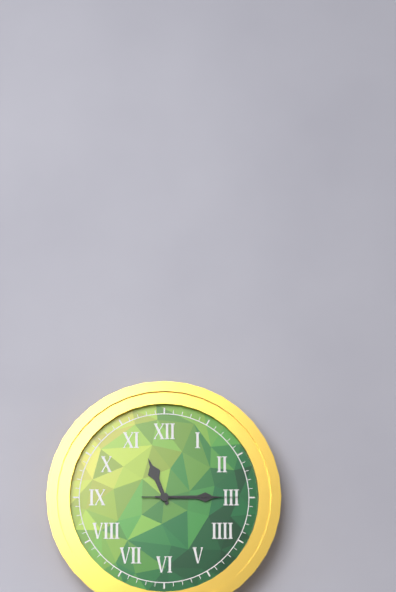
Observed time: 11:15:15
